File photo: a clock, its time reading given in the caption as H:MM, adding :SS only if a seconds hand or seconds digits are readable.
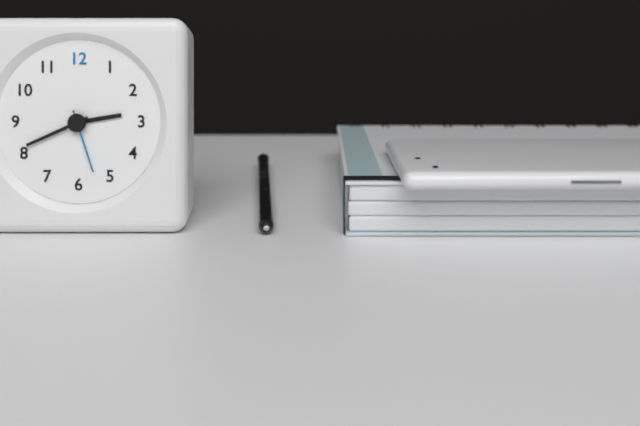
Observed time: 2:41:27
